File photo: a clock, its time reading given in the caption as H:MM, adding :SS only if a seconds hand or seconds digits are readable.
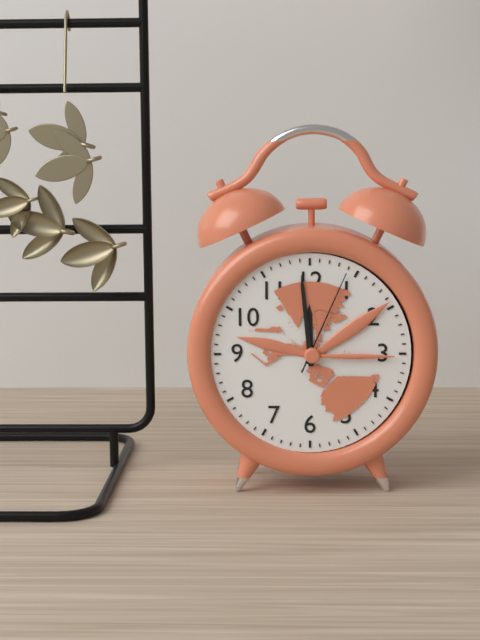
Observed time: 11:59:04
